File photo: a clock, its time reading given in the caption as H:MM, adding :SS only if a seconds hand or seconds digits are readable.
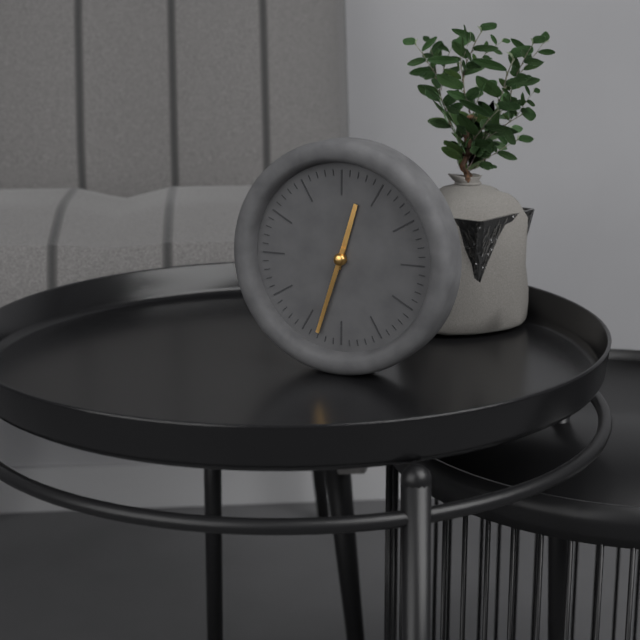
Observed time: 12:33
